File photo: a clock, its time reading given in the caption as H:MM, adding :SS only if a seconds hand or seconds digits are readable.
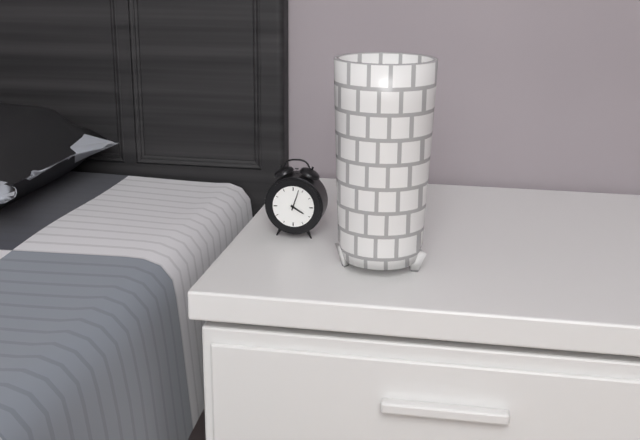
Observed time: 4:03
